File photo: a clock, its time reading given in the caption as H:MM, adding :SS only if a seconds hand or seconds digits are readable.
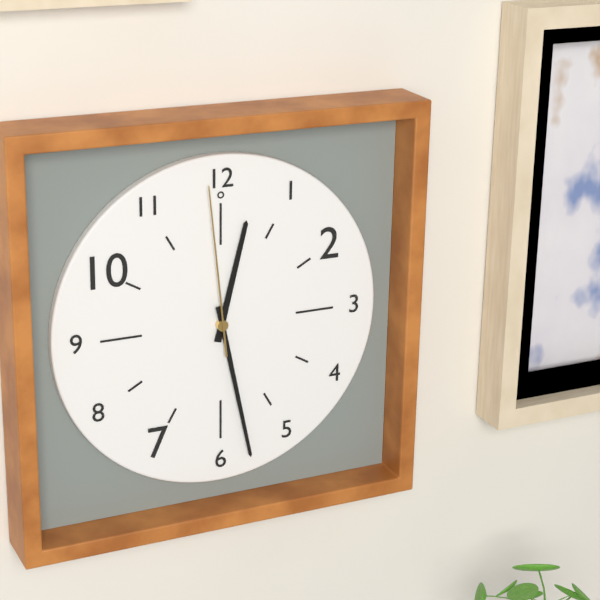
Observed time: 12:28:59
